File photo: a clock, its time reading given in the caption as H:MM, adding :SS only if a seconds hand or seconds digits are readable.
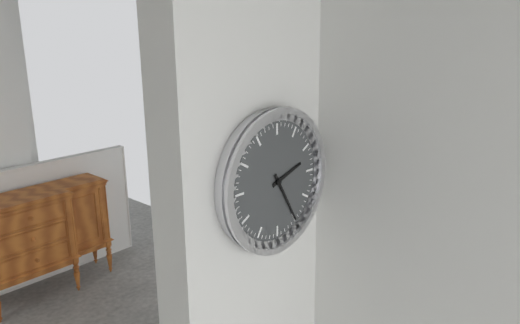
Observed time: 2:25
